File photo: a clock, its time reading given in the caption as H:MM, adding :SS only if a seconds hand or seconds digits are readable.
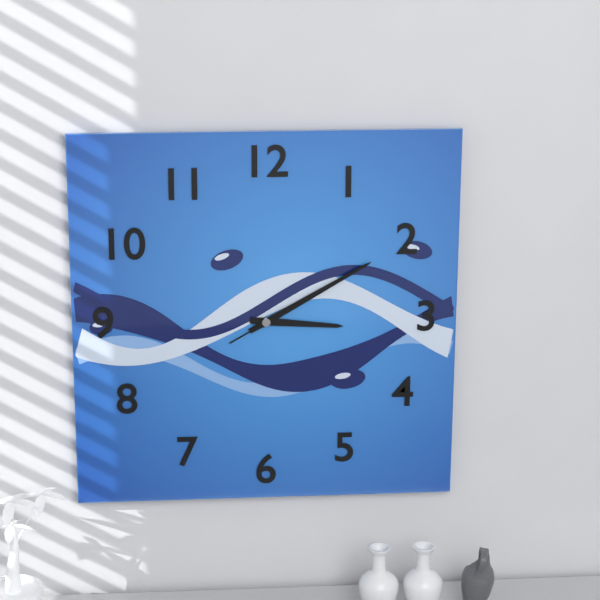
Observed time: 3:10:10
